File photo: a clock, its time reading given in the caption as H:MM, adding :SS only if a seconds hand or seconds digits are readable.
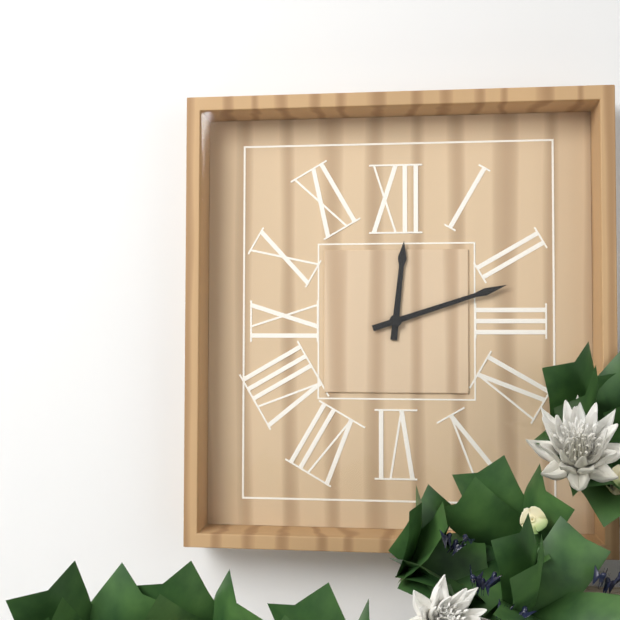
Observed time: 12:12
